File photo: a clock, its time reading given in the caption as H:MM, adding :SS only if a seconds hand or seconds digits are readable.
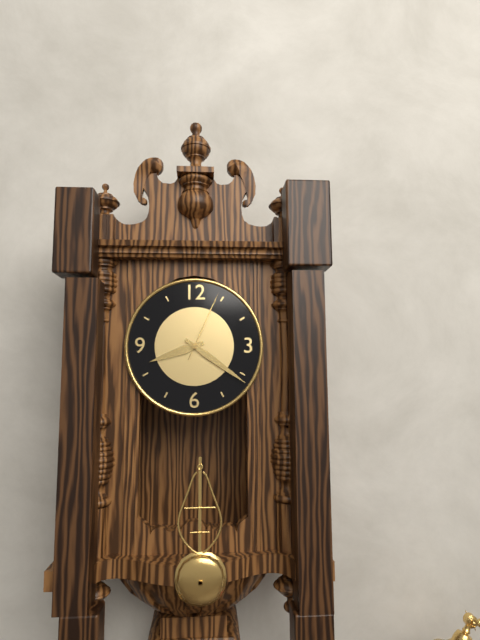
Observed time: 8:21:04
